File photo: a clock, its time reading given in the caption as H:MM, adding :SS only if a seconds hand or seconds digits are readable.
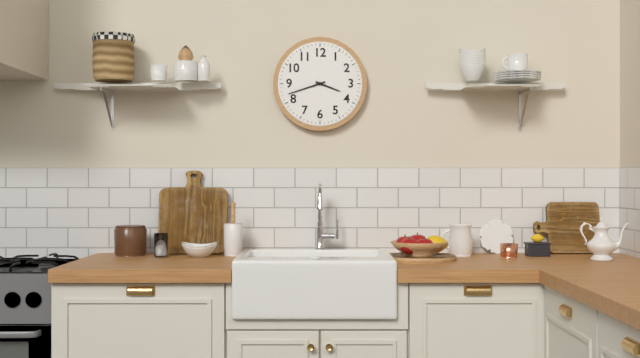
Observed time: 3:42
